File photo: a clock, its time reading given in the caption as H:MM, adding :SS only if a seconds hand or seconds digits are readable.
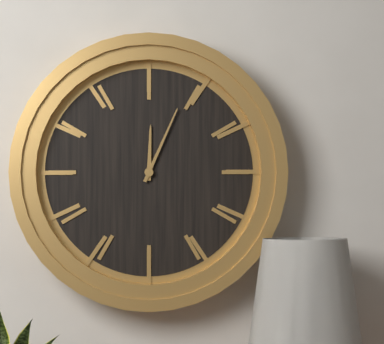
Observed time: 12:04
